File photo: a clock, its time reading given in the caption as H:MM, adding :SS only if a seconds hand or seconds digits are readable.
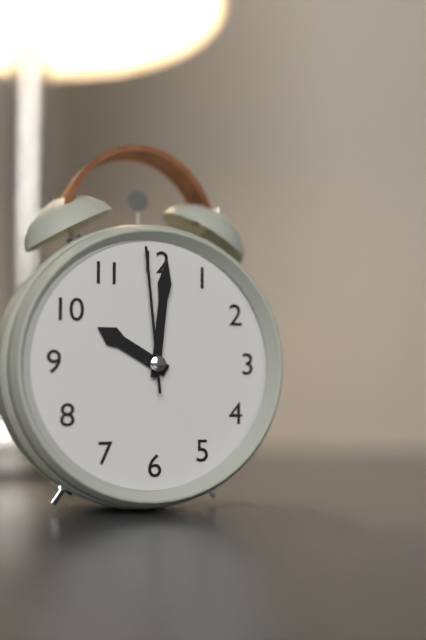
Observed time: 10:01:59
